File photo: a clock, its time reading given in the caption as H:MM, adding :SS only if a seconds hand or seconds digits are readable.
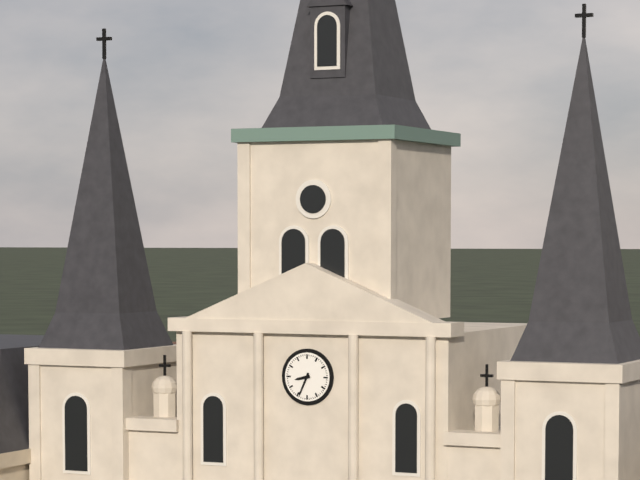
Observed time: 8:34
